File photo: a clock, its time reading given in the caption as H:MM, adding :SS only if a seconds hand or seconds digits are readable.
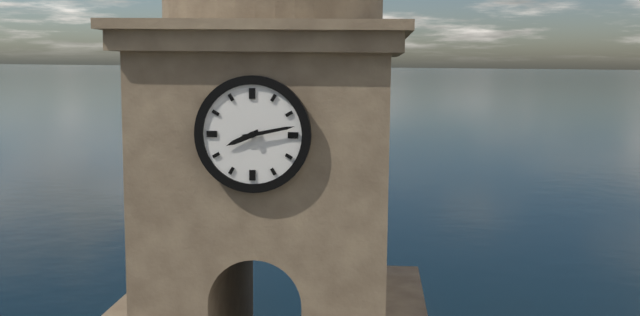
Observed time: 8:13
